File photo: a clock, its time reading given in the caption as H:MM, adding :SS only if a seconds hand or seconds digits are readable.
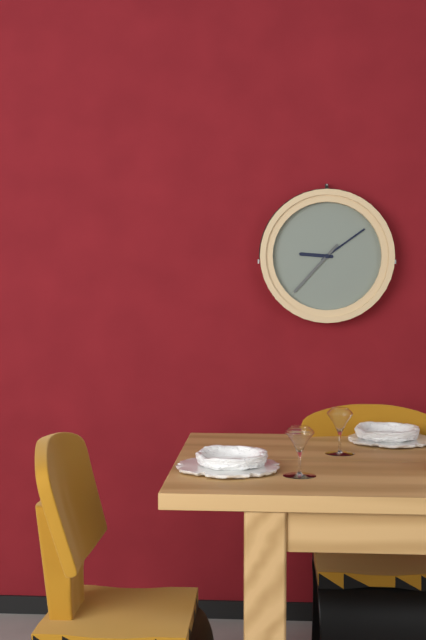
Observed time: 9:09:37
